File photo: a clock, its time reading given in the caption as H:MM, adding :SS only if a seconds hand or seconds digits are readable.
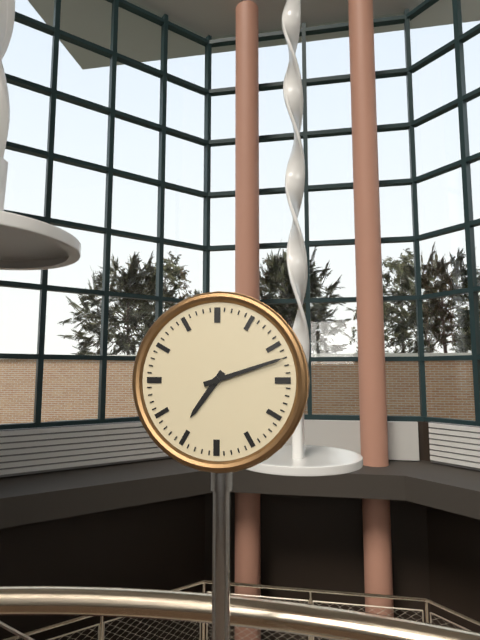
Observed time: 7:12
